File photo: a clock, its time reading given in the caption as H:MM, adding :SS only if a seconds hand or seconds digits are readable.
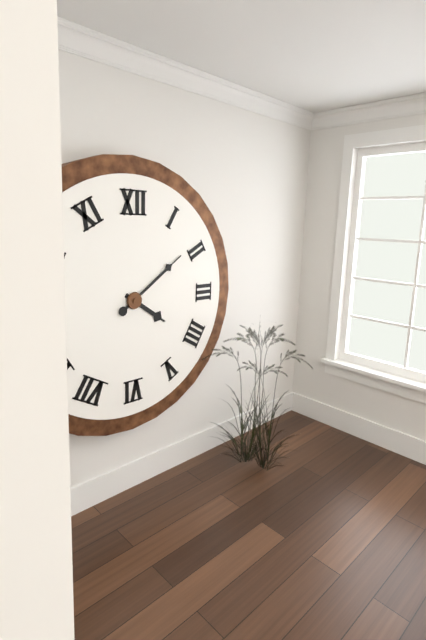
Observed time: 4:09
